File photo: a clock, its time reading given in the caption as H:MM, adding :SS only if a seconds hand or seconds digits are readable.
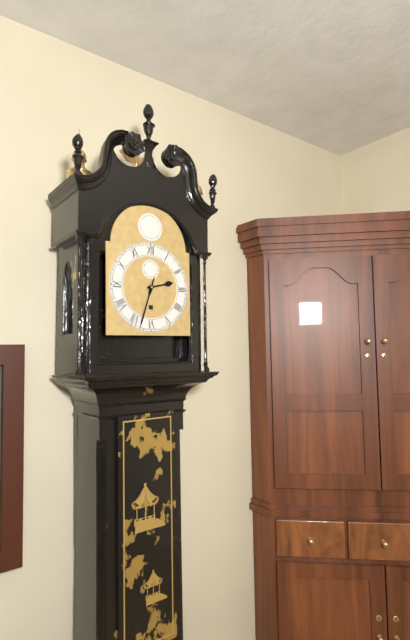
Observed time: 2:33
